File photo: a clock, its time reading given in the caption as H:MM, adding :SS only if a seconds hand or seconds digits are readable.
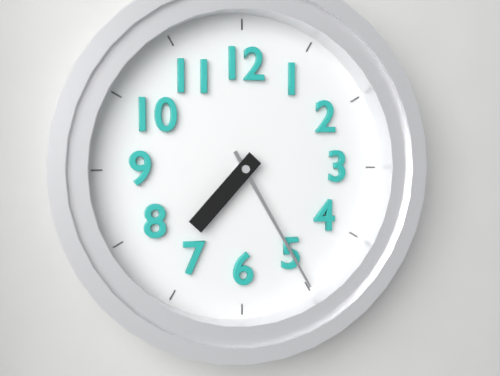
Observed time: 7:25
